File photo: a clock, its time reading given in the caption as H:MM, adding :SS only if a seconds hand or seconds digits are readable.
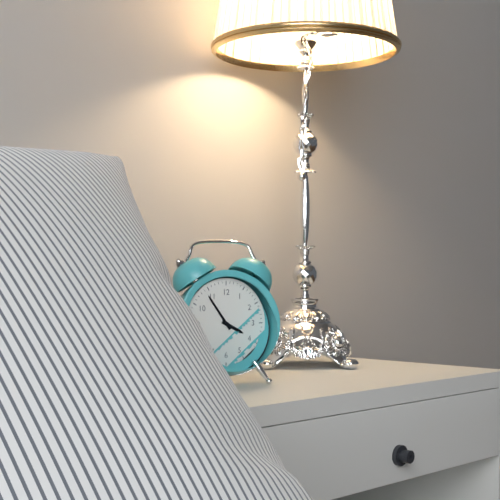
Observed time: 3:54
